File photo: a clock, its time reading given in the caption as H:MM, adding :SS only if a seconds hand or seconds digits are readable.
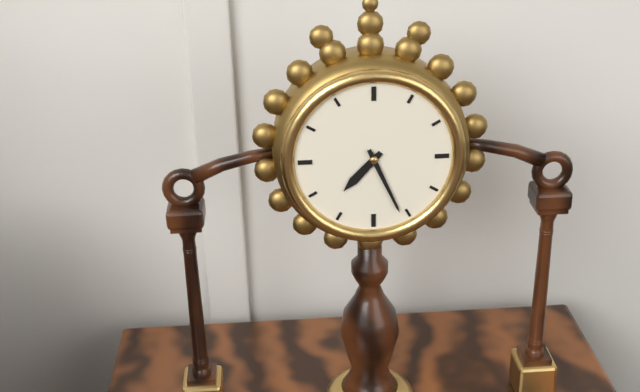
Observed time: 7:26
